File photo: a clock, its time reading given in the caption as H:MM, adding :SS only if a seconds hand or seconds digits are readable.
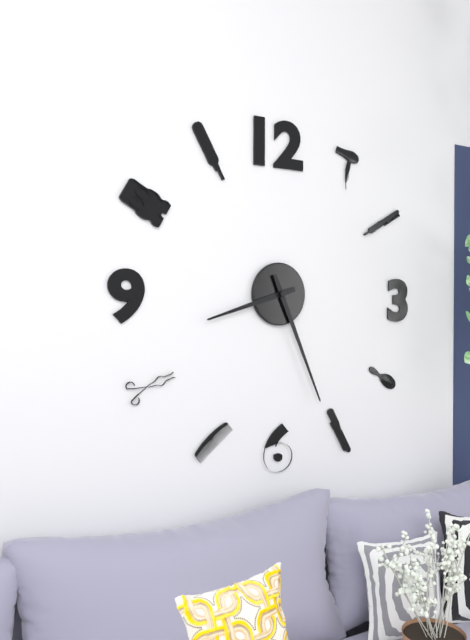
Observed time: 8:26
